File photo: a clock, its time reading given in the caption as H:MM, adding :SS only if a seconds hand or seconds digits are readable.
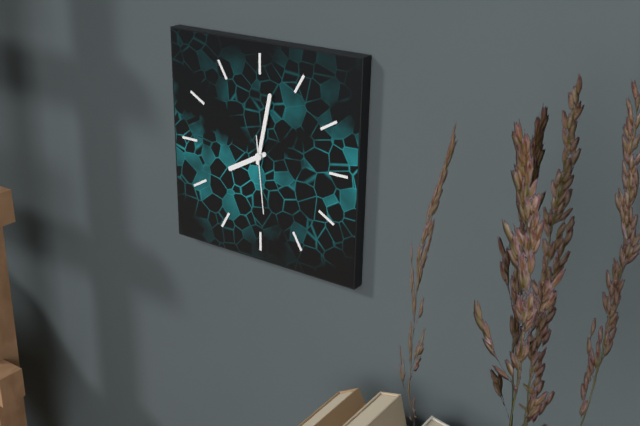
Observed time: 8:02:29
